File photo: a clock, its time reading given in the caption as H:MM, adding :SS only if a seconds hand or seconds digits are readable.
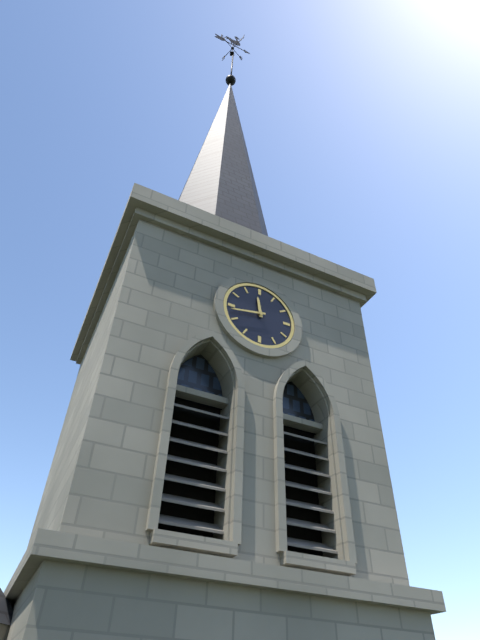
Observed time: 11:43
